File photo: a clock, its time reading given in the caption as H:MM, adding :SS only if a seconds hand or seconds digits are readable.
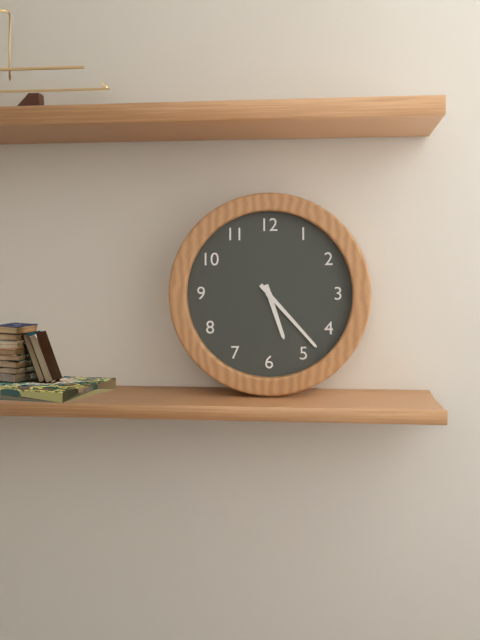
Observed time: 5:23
